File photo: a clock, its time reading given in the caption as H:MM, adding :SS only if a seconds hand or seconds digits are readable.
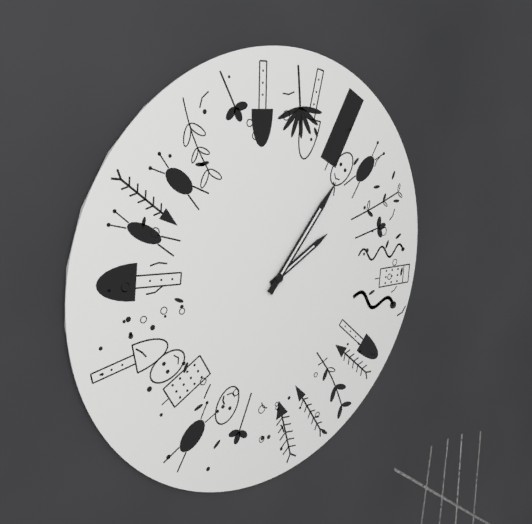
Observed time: 2:07
